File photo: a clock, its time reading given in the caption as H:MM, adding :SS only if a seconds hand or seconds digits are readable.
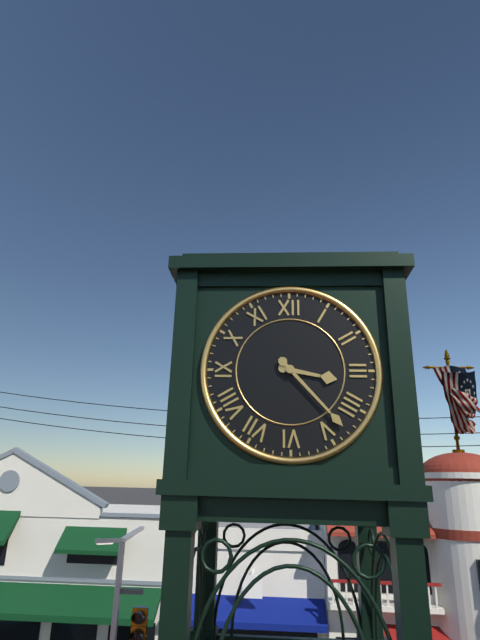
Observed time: 3:23
